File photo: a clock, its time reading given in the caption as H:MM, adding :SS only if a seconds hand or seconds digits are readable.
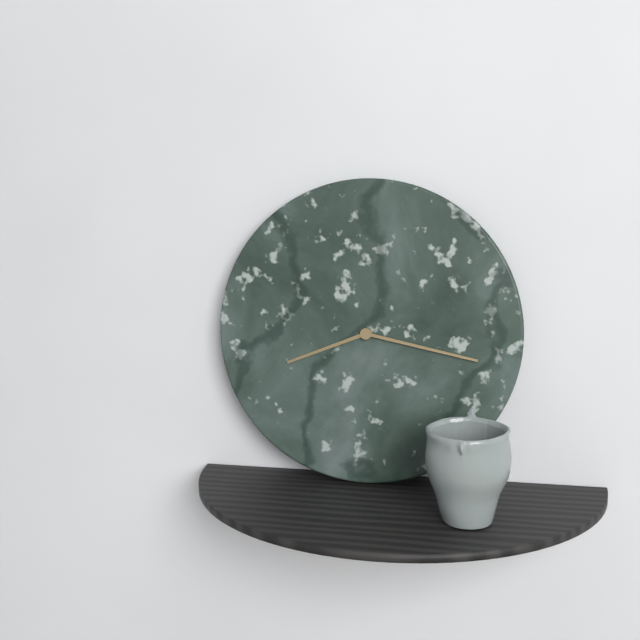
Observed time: 8:17
